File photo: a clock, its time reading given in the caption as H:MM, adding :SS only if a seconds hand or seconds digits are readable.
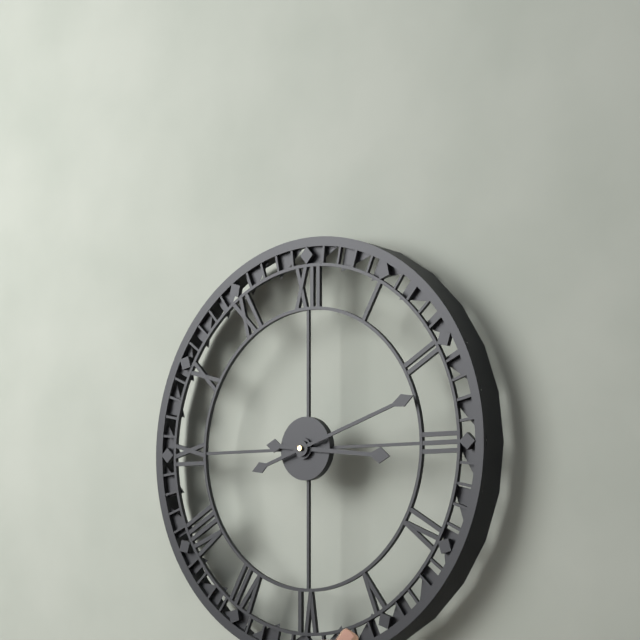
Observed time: 3:12
